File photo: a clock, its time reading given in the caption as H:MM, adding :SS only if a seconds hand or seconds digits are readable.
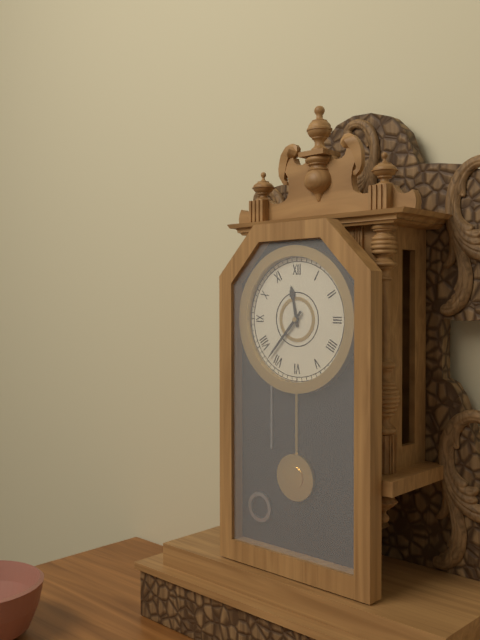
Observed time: 11:37
